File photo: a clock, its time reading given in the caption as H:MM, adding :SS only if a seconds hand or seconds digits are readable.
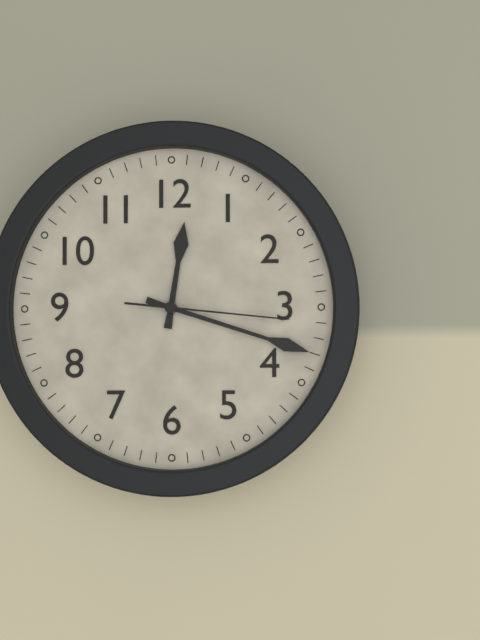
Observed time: 12:18:16
